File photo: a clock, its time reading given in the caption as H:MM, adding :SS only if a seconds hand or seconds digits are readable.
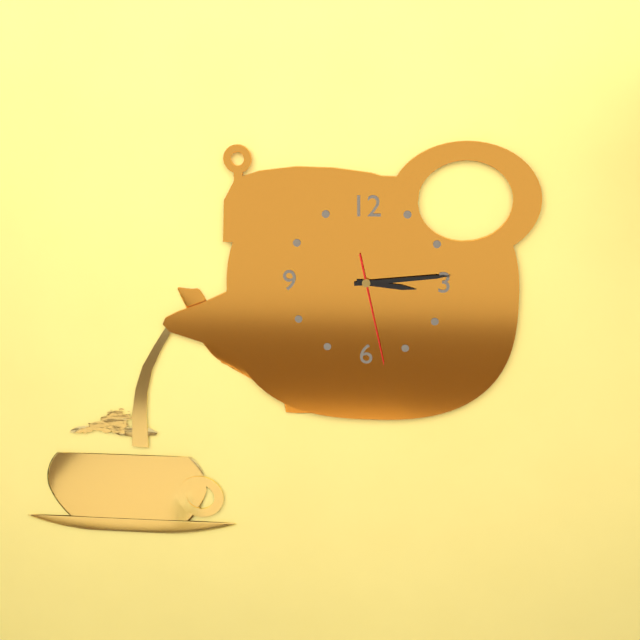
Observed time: 3:14:28
